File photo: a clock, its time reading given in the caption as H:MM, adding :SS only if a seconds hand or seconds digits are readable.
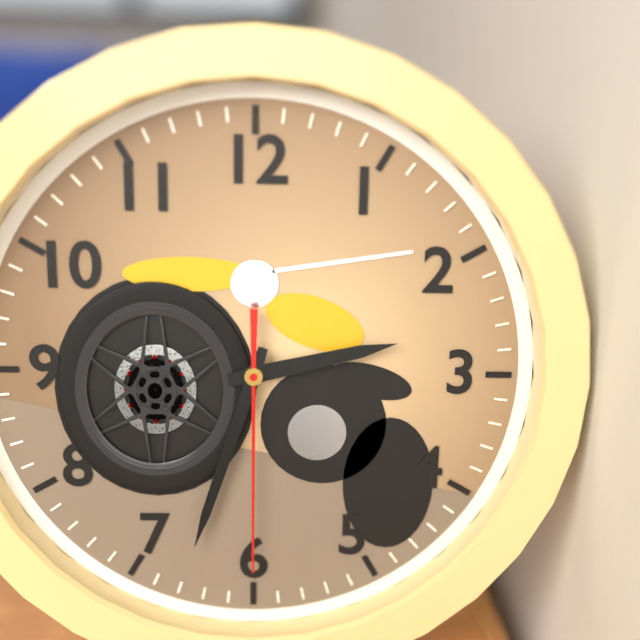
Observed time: 2:33:30
